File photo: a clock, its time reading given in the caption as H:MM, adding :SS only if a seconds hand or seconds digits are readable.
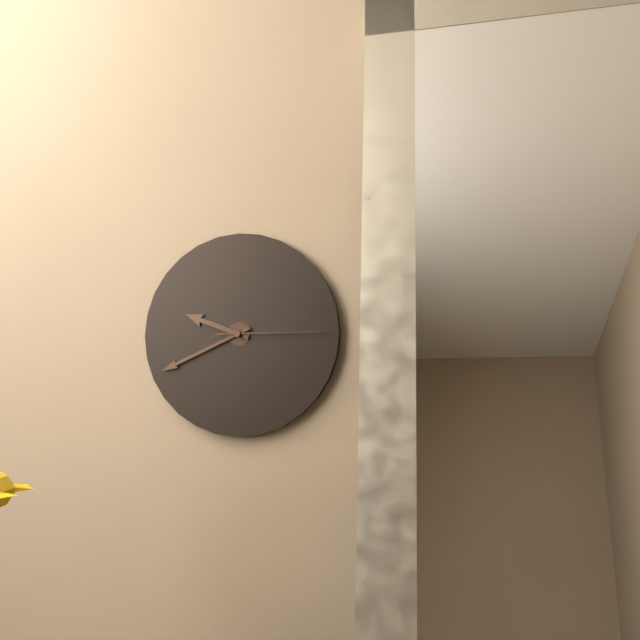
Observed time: 9:41:15
